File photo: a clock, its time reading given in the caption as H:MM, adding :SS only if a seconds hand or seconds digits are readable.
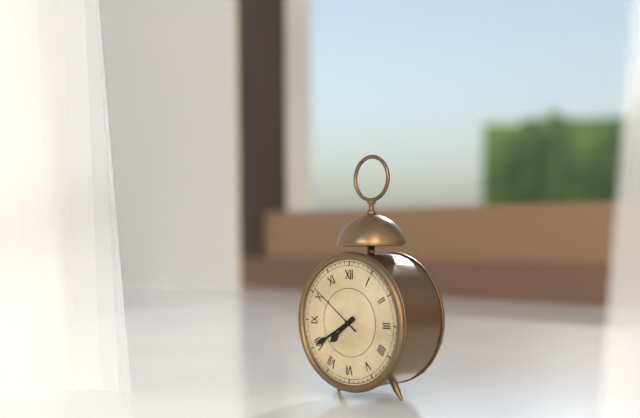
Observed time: 7:40:51
